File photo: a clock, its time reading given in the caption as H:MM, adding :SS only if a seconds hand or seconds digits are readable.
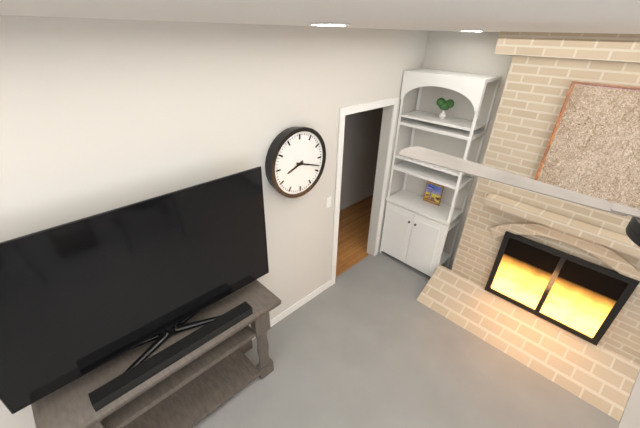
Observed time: 8:18
